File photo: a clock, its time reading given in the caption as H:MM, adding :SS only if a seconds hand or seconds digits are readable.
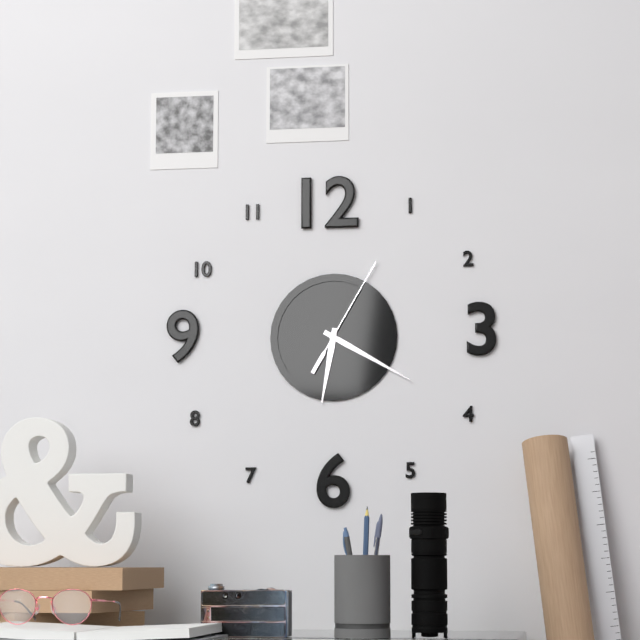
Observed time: 6:20:05
